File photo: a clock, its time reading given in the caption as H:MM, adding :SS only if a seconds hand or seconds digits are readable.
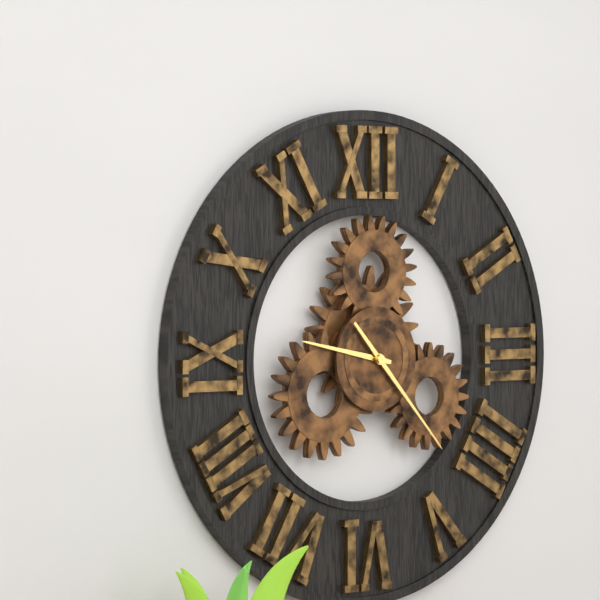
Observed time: 9:23
